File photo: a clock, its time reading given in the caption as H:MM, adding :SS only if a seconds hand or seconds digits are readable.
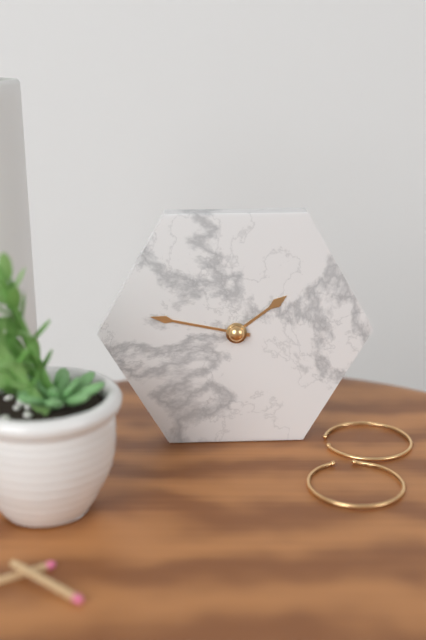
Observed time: 1:47
